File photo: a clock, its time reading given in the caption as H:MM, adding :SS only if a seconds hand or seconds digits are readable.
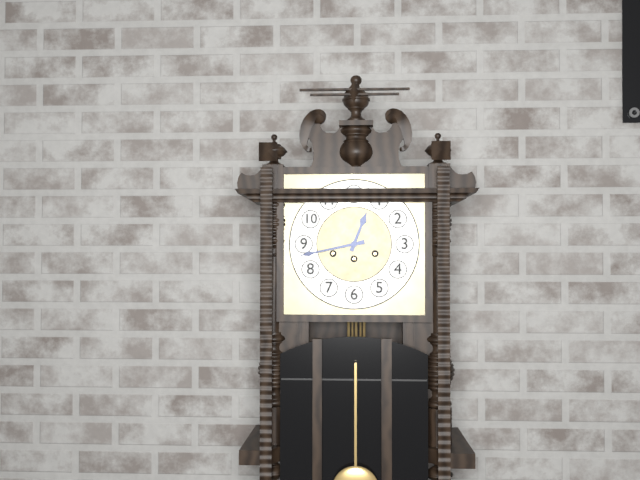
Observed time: 12:43
